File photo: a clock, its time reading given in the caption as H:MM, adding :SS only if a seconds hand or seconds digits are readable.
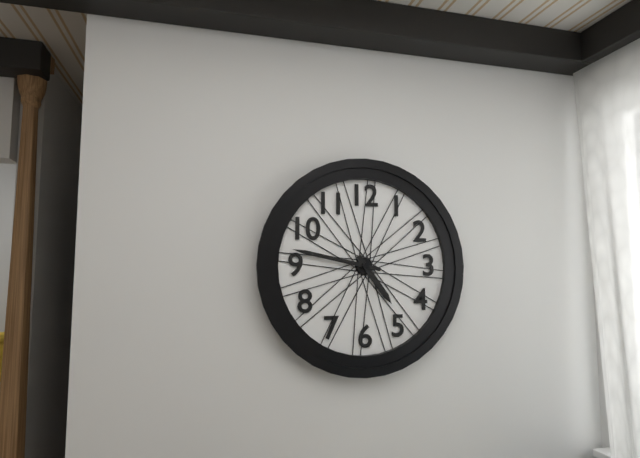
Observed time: 4:47
